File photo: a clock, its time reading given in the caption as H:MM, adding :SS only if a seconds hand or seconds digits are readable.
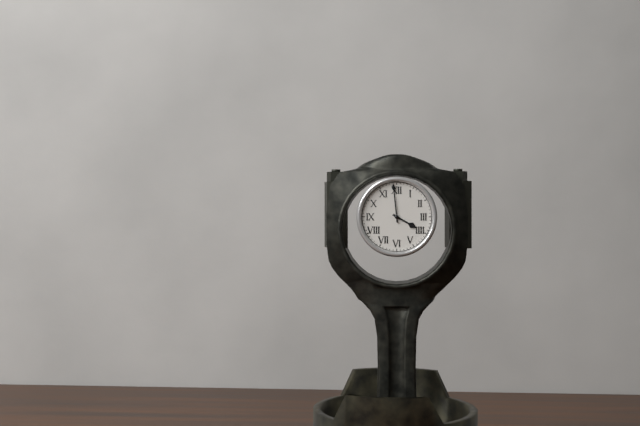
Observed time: 3:59
